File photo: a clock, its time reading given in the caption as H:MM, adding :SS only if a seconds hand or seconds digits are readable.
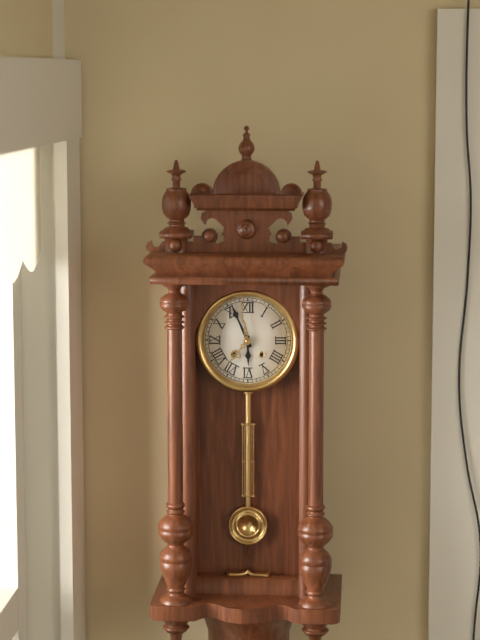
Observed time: 5:56
